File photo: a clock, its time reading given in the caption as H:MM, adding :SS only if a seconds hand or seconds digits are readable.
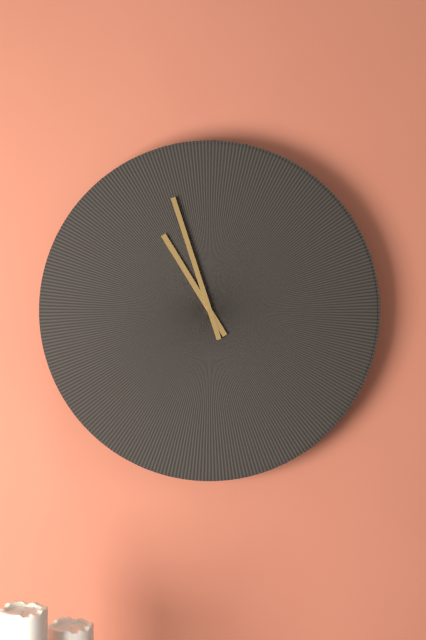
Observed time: 10:57
